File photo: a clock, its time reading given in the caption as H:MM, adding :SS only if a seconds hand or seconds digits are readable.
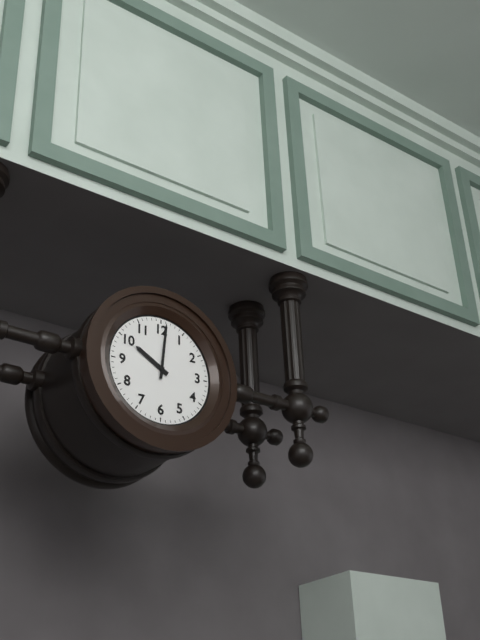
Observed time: 10:01
